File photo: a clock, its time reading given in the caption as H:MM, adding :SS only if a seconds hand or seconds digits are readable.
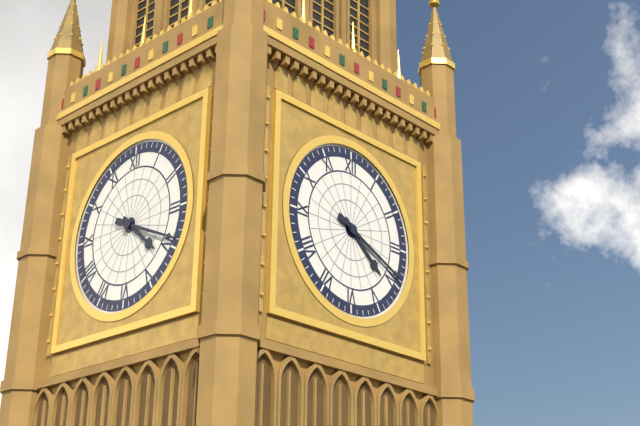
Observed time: 4:19
